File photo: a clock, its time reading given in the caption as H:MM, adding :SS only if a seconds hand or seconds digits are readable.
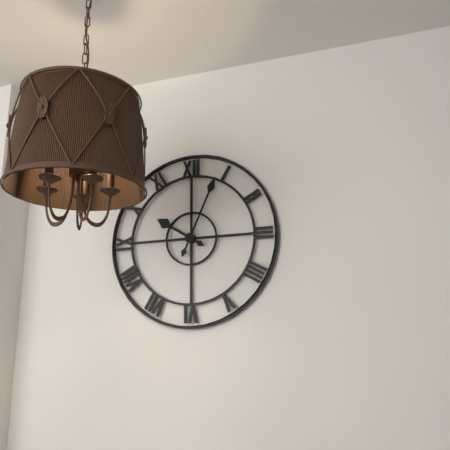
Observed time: 10:04
